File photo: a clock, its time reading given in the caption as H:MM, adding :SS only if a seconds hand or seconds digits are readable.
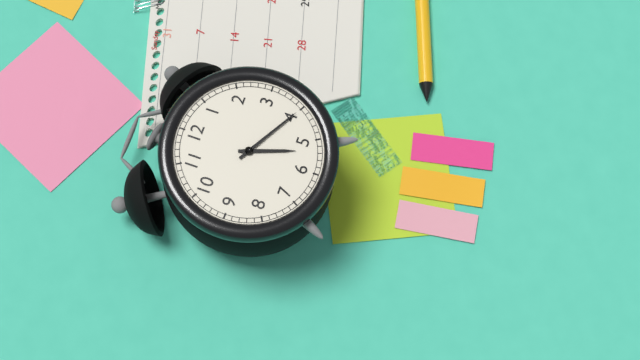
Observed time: 5:20
